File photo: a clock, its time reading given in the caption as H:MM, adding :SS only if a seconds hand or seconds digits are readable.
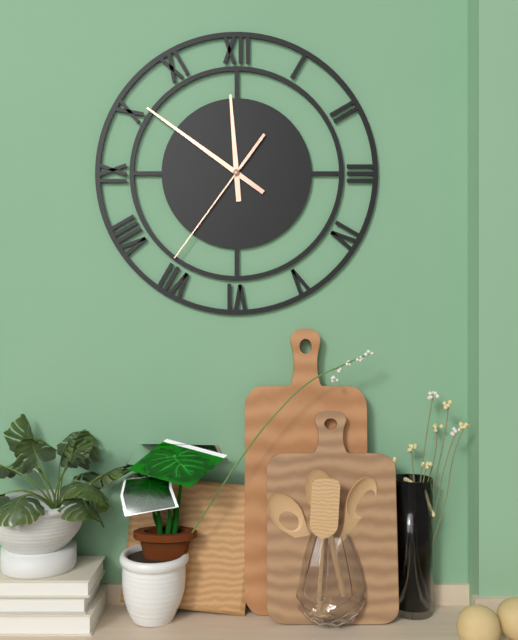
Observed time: 11:51:36
